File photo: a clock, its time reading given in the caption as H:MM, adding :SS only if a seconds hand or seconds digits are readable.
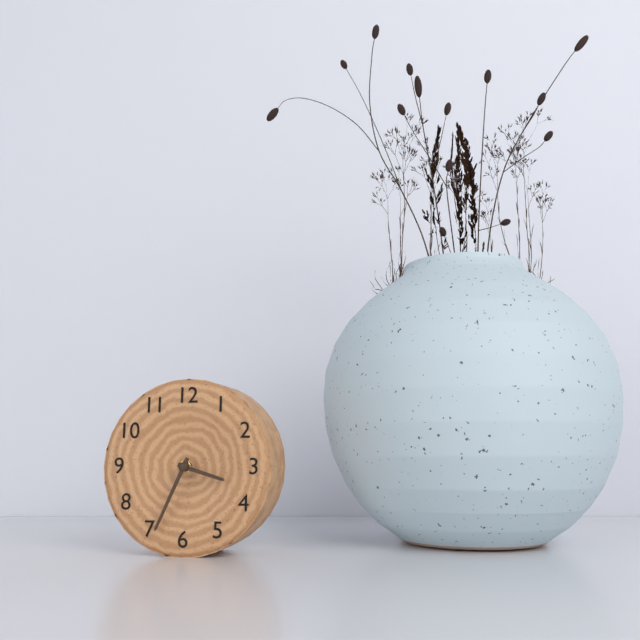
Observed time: 3:34
